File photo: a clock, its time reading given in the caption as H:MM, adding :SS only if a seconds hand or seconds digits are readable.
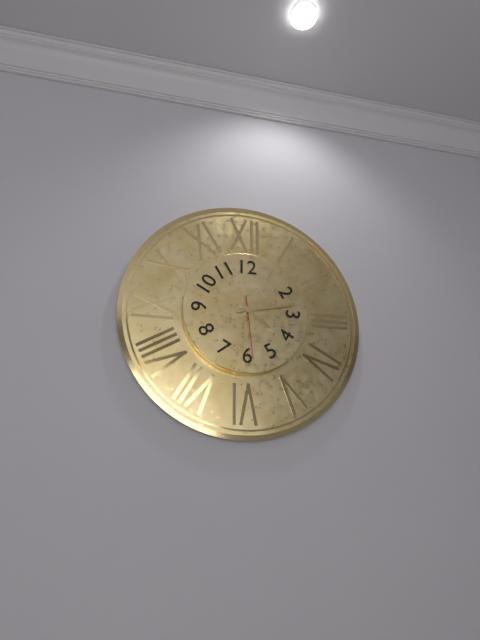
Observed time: 4:13:29
